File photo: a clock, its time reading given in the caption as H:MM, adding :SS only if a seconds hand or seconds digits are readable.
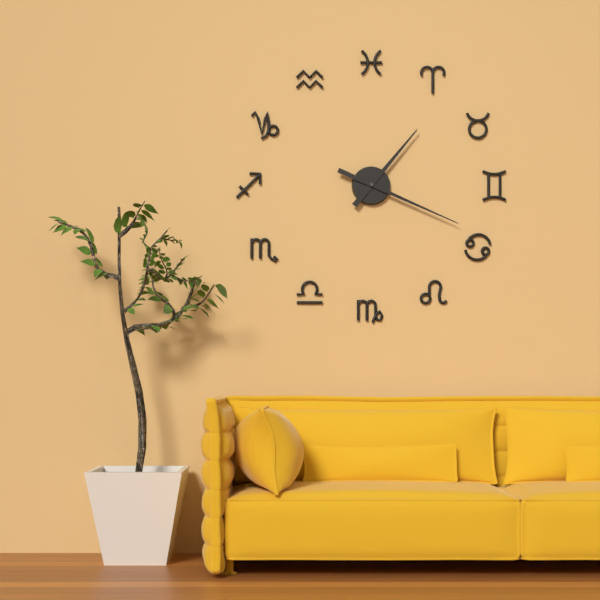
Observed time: 1:19
